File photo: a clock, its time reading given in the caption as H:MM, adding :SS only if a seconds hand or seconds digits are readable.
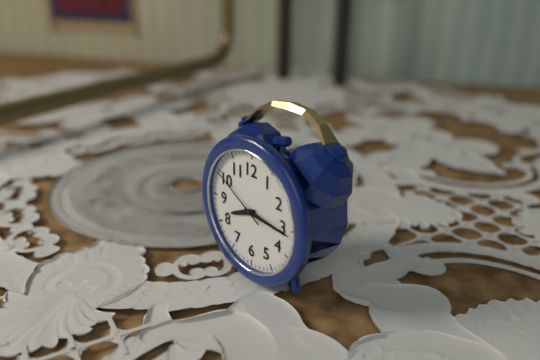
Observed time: 8:16:50
